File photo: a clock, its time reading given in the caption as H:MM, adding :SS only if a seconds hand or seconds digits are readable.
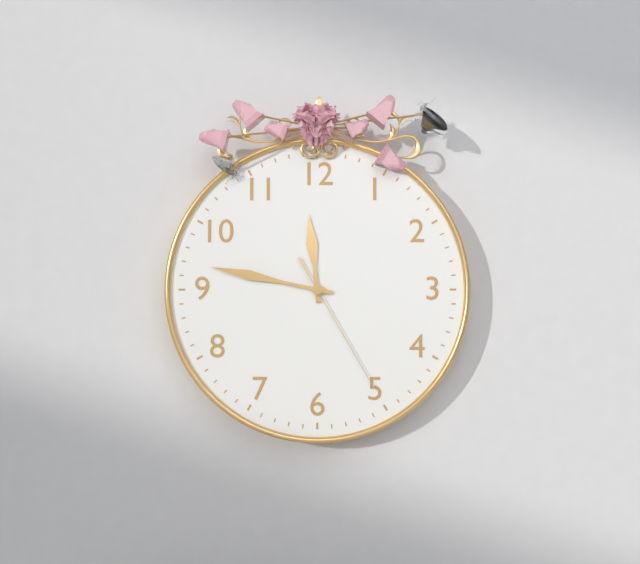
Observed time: 11:47:25
